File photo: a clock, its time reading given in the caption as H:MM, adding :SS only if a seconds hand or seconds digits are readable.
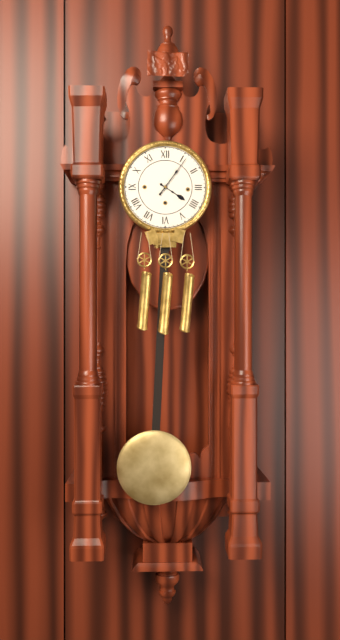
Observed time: 4:06
